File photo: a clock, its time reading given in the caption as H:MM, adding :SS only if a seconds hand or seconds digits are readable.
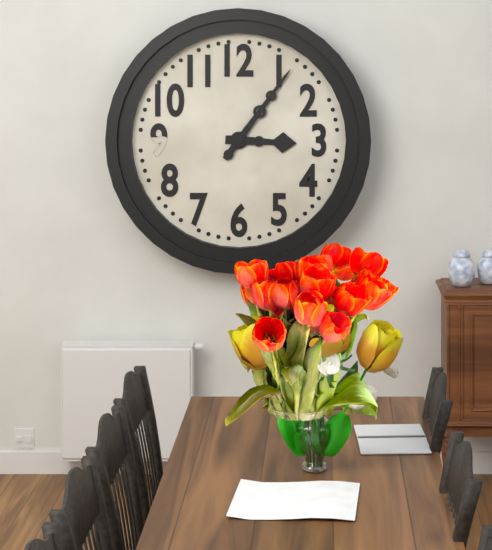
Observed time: 3:06
